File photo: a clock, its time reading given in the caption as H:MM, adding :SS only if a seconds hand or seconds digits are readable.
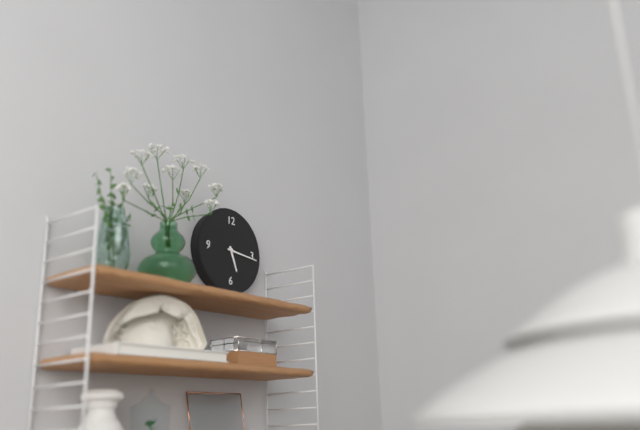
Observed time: 5:16
